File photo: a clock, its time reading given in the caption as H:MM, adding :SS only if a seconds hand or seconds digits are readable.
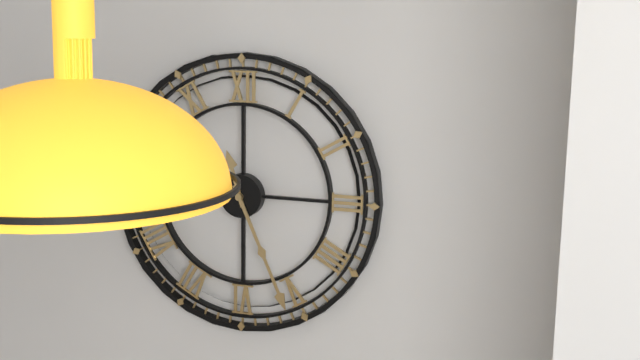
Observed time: 11:26
